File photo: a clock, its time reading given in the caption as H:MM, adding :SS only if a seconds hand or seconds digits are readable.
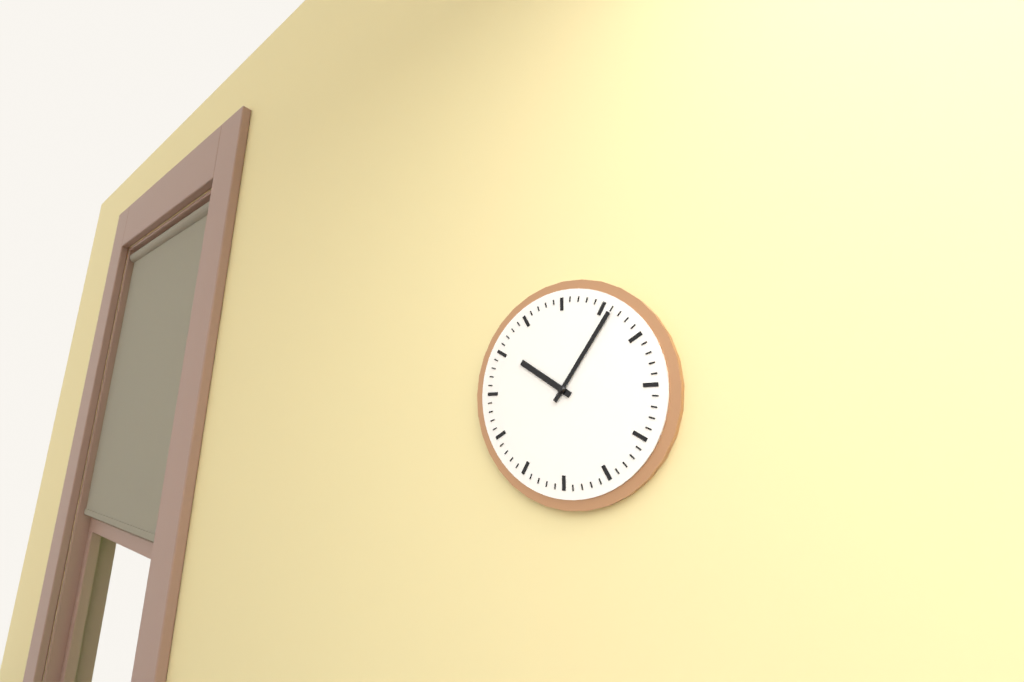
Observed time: 10:06
